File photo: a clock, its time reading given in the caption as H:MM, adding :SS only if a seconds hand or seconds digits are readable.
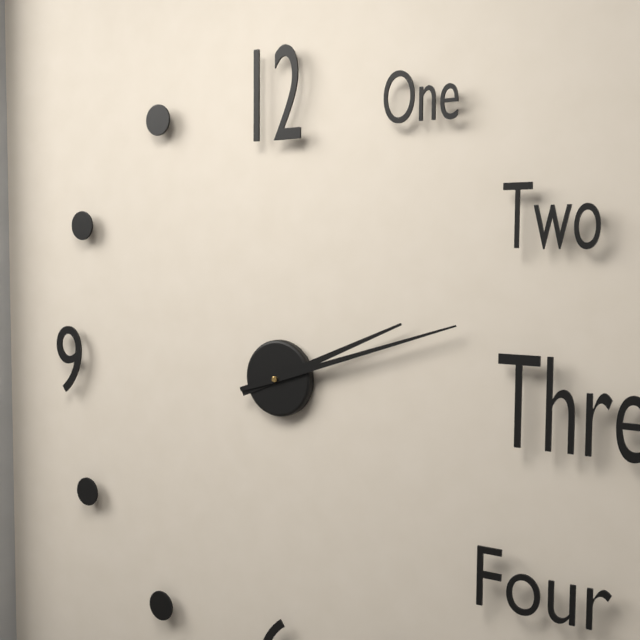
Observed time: 2:12
